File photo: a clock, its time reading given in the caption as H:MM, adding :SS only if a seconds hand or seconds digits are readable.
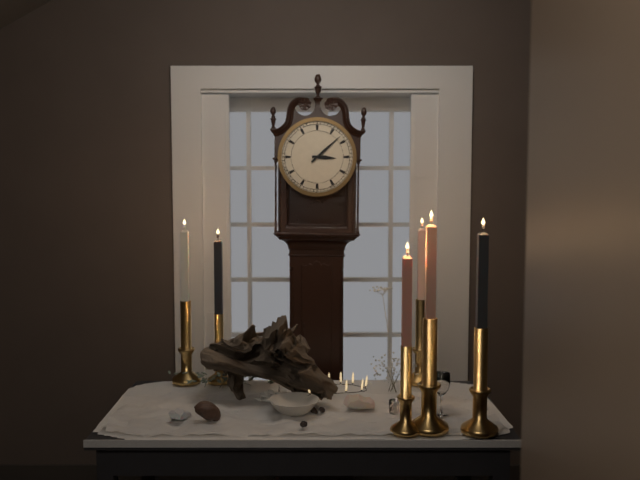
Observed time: 3:08
